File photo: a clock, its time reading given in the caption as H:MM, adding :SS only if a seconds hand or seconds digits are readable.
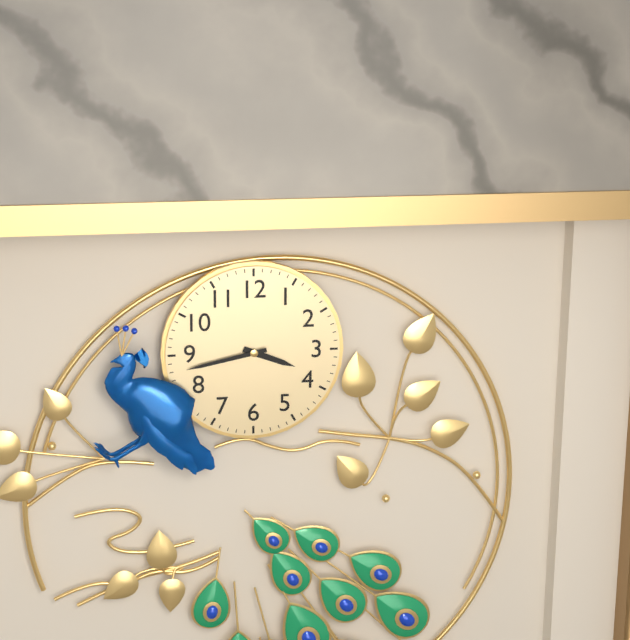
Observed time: 3:43
